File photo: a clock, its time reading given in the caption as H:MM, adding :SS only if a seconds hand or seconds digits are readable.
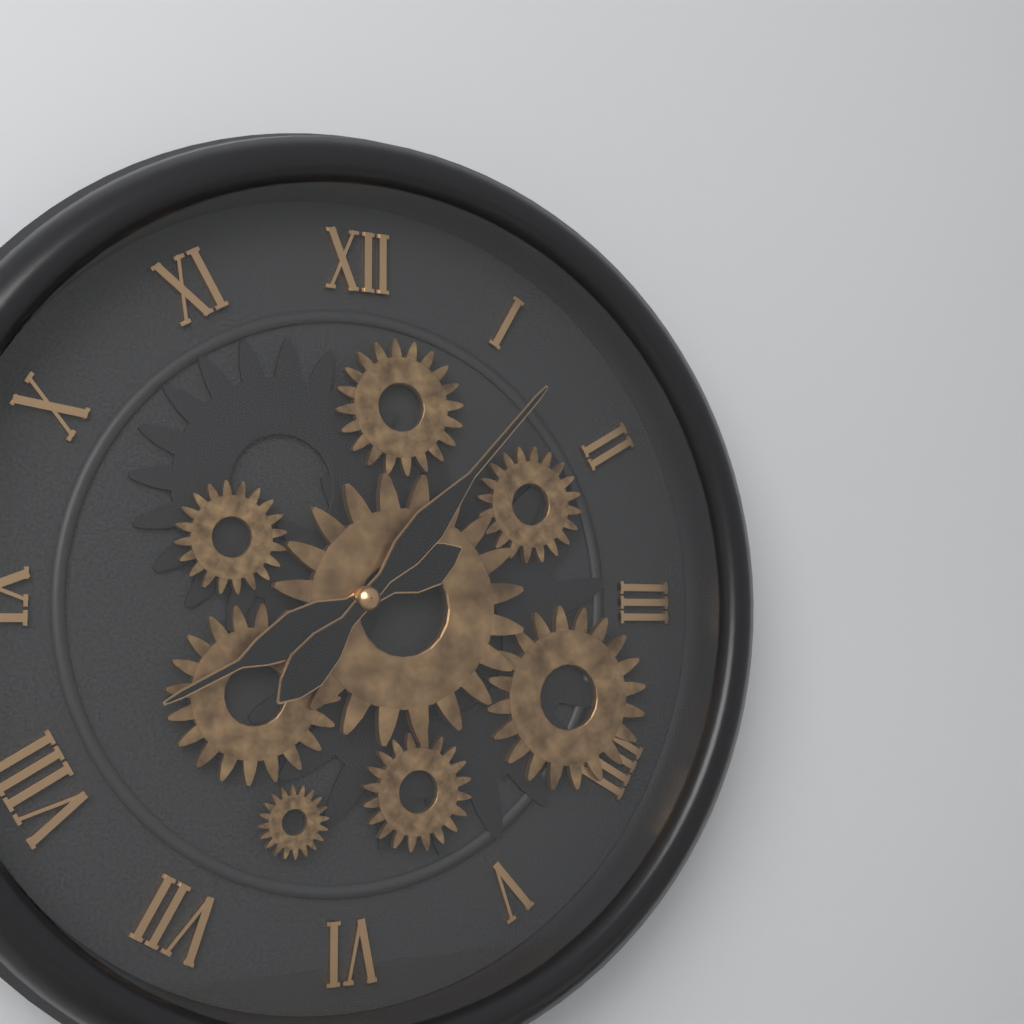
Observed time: 8:07
